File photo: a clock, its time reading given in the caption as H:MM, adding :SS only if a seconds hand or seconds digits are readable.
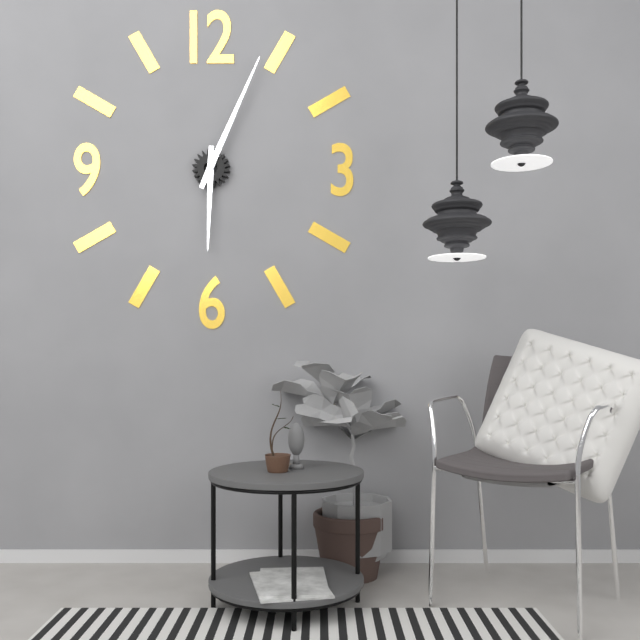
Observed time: 6:04
